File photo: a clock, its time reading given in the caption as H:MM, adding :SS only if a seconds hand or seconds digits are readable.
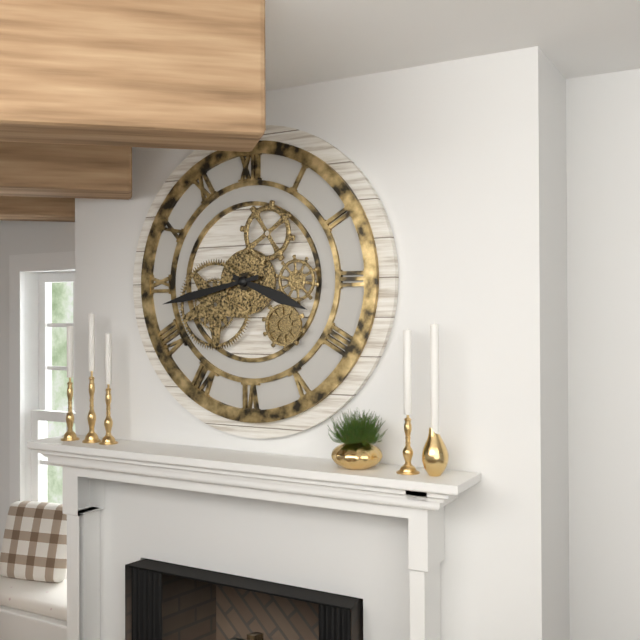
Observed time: 3:43
